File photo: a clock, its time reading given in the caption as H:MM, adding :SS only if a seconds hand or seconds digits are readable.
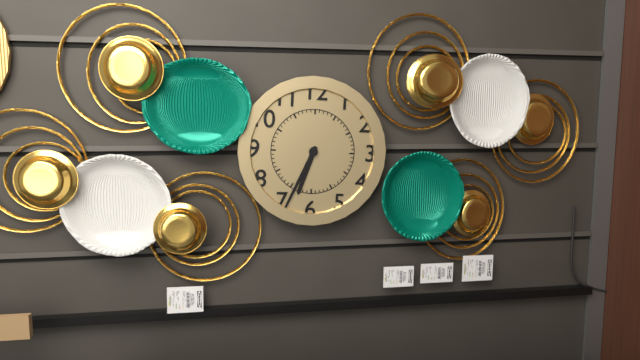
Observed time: 6:34
